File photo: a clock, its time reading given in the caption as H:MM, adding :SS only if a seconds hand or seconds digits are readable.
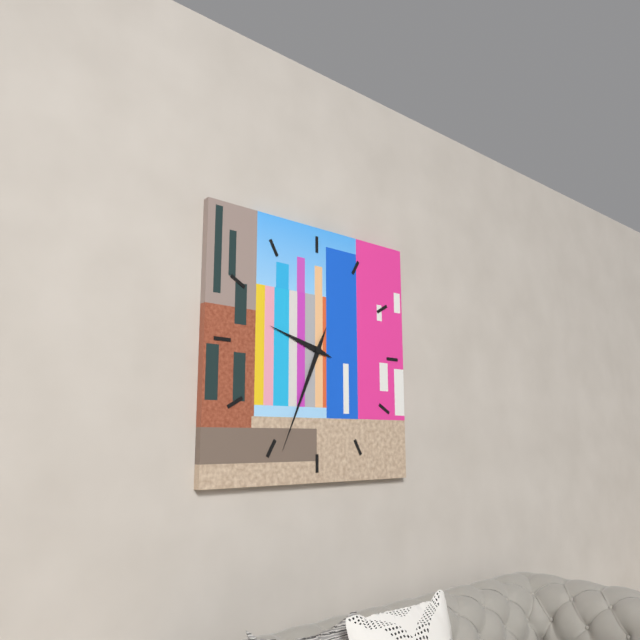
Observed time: 9:34
